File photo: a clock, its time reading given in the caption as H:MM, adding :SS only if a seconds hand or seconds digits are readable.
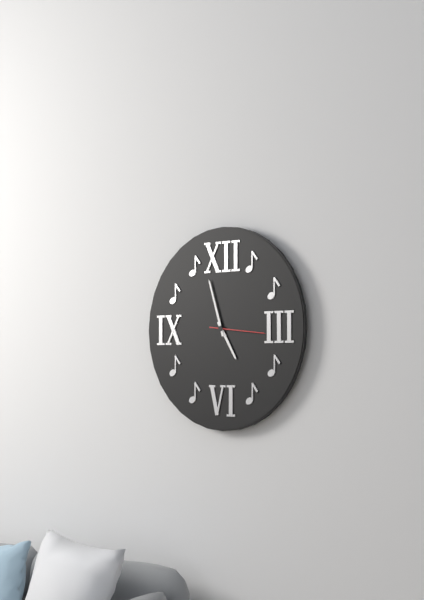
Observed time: 4:57:16
